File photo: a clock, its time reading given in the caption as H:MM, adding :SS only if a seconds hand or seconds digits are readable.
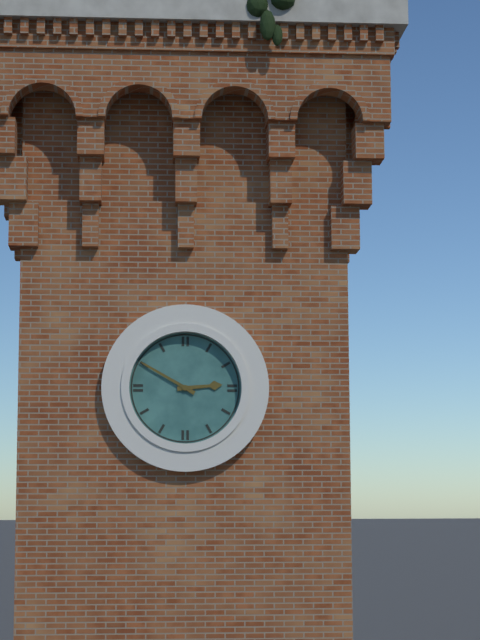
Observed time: 2:50
